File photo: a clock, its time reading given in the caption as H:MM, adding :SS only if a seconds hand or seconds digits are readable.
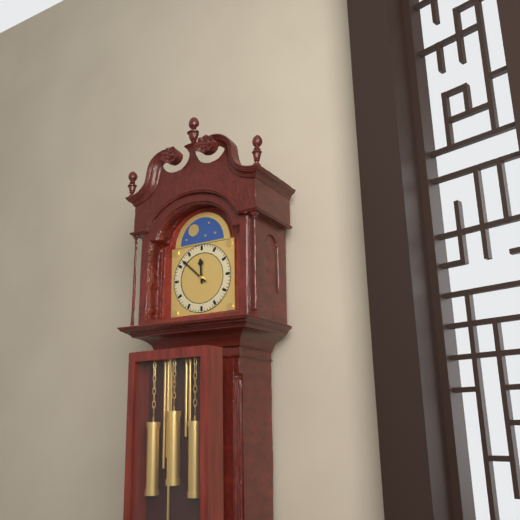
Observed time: 11:52
